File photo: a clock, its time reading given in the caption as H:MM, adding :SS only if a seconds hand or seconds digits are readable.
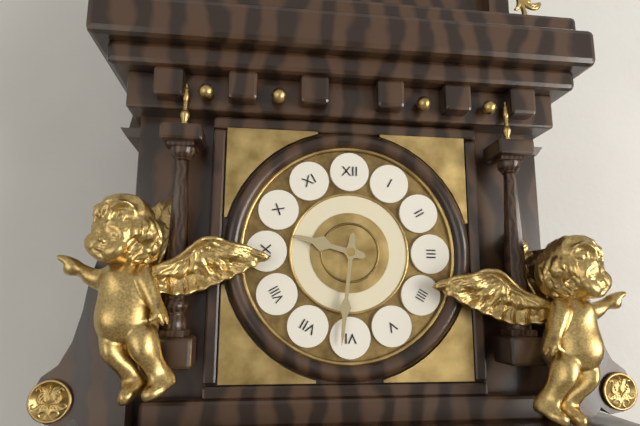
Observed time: 9:31
